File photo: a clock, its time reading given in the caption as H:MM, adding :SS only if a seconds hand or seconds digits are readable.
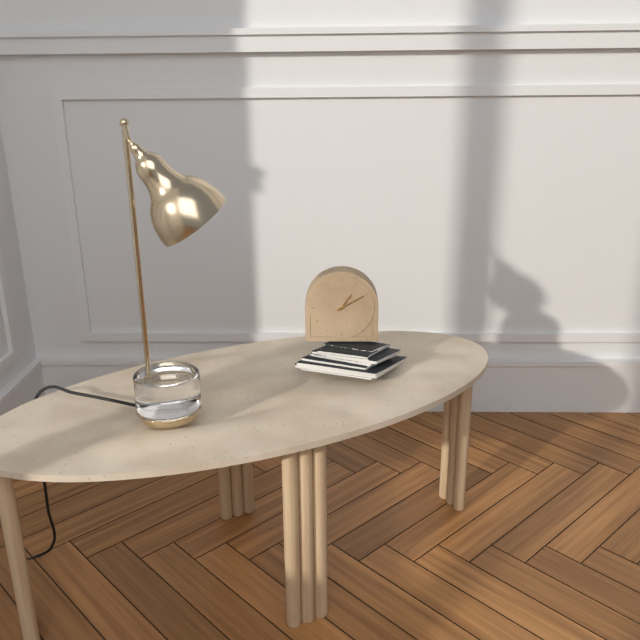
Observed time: 1:10
